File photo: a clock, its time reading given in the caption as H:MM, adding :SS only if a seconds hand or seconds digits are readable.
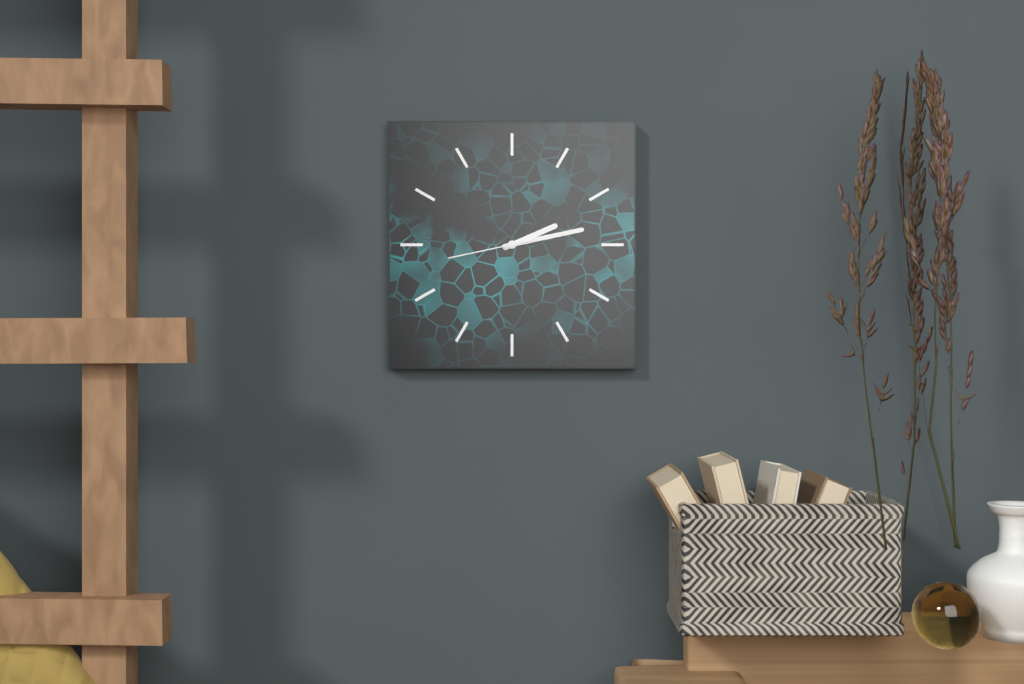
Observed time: 2:13:43
